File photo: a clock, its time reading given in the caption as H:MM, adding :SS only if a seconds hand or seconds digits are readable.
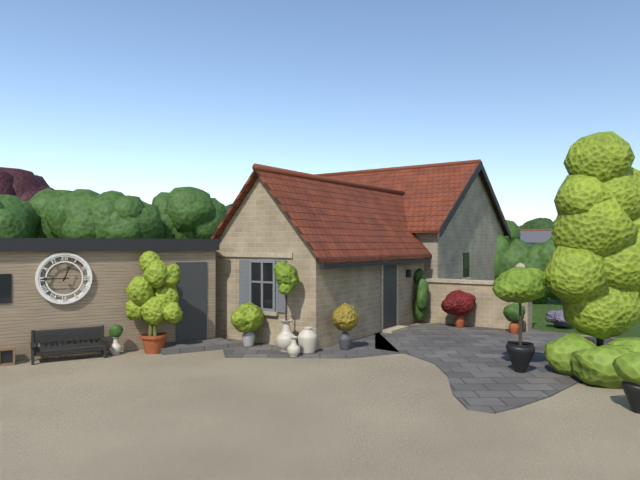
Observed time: 12:45
